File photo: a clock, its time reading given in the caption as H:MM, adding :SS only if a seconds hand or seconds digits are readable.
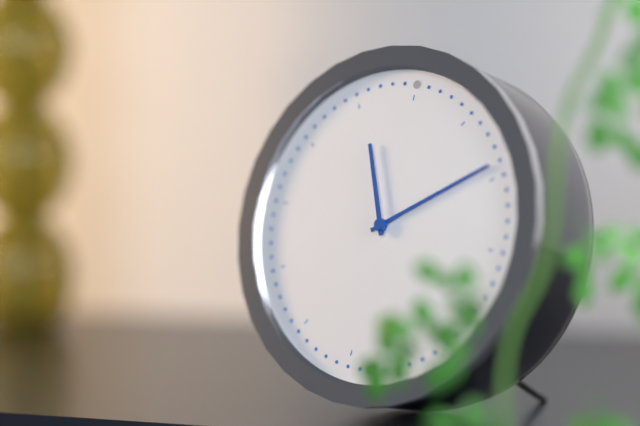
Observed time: 11:09
